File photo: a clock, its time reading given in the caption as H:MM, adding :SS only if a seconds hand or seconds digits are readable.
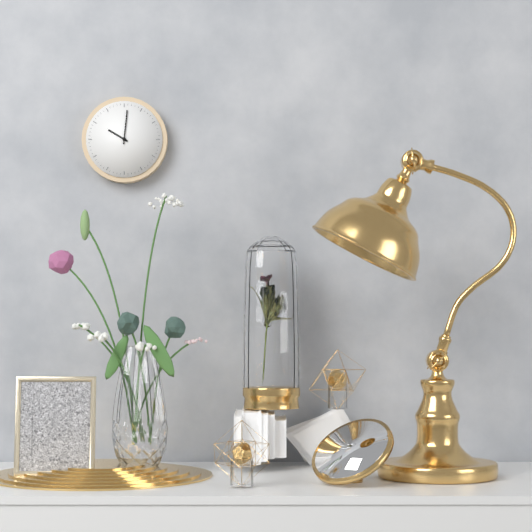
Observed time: 10:01
